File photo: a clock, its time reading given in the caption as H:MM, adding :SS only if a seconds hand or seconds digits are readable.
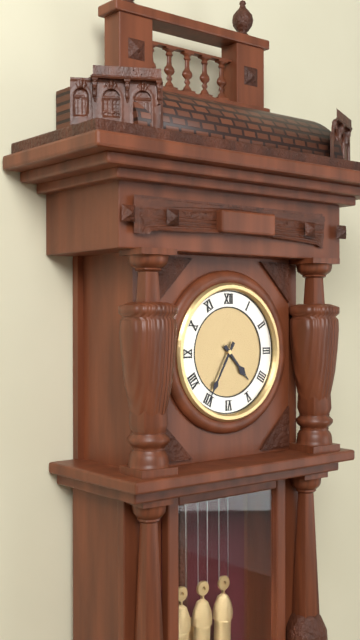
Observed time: 4:35
